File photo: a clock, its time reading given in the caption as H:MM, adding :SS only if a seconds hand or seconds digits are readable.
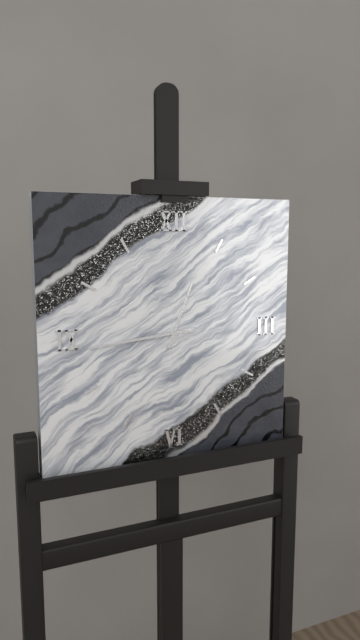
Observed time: 12:44
